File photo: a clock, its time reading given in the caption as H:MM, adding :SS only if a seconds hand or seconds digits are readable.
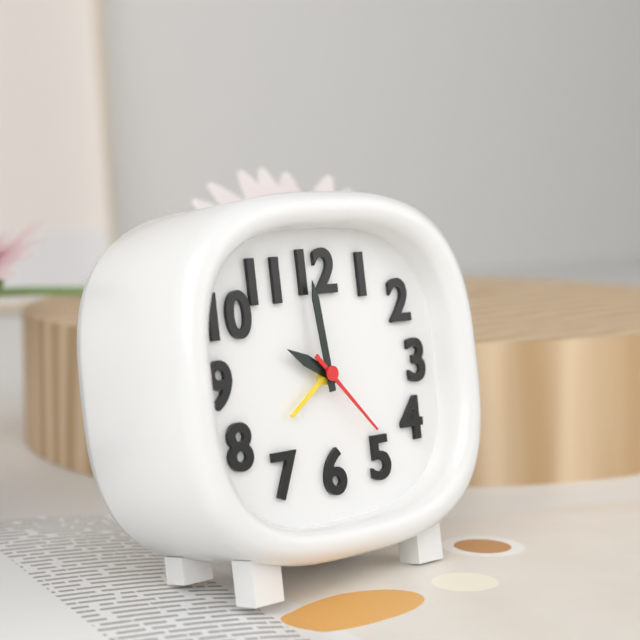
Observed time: 9:59:23
